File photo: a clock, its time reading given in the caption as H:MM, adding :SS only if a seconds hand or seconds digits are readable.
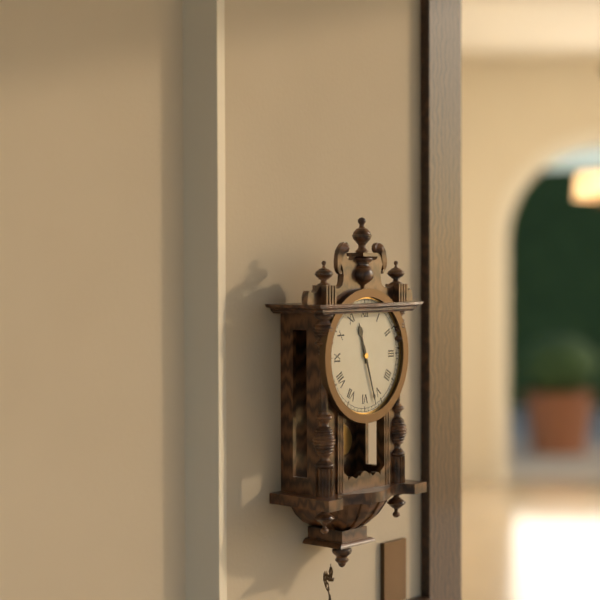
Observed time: 11:27
